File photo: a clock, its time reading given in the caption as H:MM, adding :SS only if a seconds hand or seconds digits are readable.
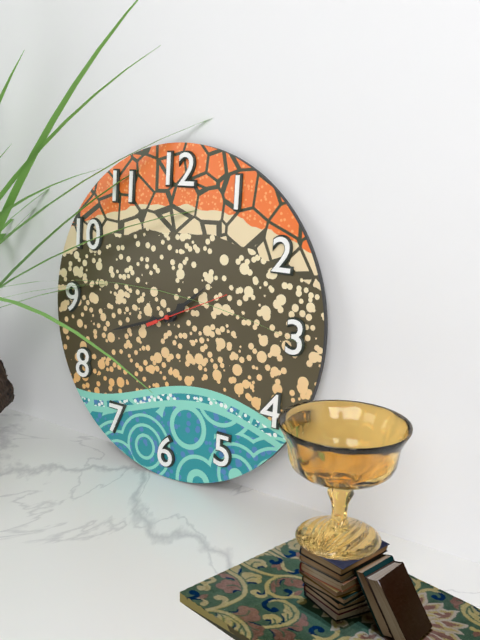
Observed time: 1:42:11
